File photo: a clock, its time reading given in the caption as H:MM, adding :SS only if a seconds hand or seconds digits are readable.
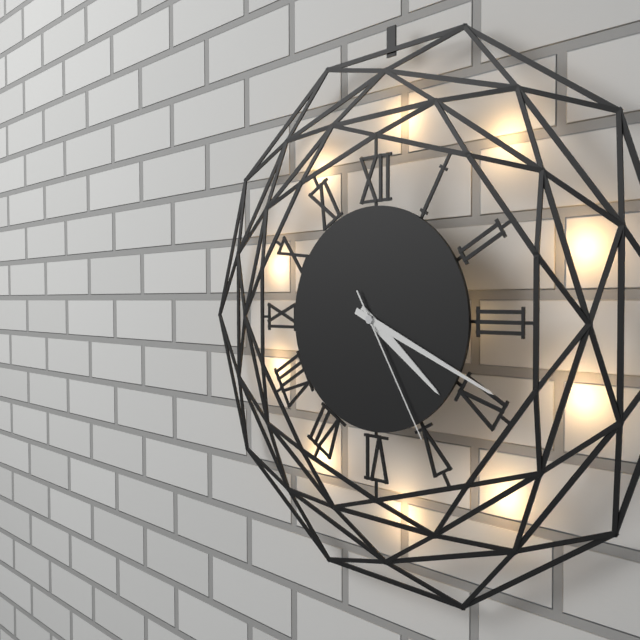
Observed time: 4:19:25
